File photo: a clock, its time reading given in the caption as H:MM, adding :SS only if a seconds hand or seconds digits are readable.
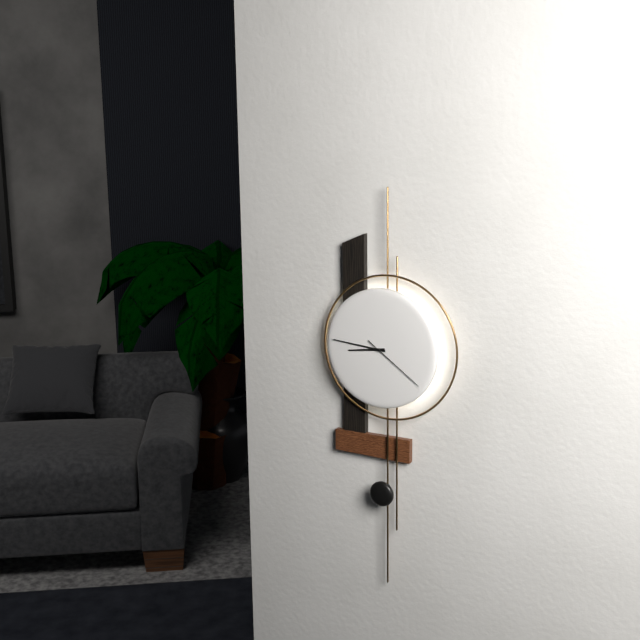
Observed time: 8:46:21
